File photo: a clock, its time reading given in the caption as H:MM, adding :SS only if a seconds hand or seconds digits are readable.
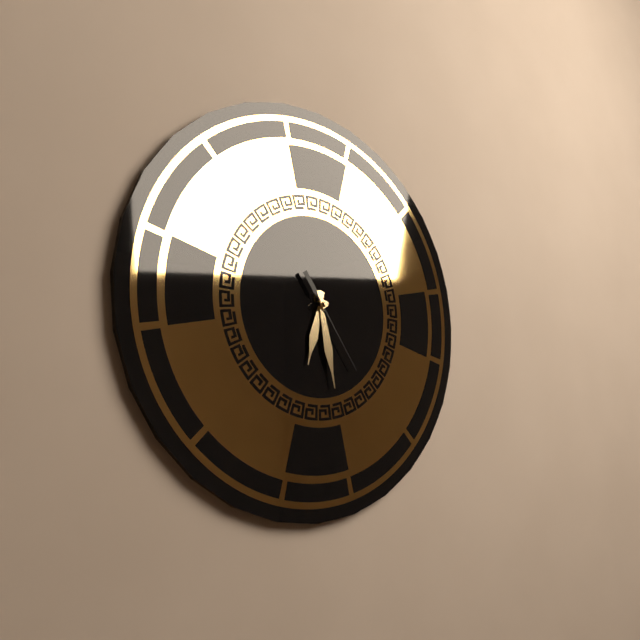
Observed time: 6:28:24
